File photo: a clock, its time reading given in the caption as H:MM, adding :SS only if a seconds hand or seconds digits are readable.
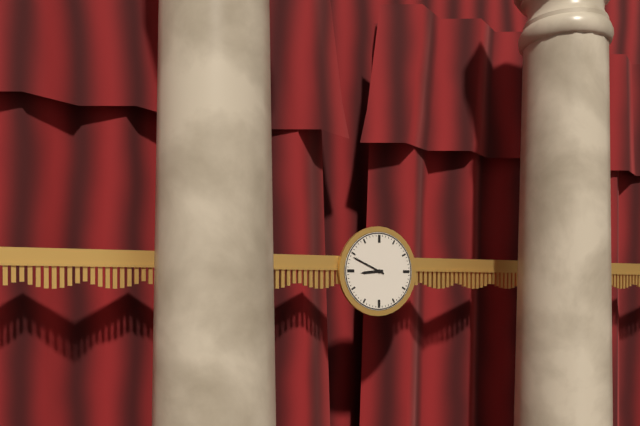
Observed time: 8:49
